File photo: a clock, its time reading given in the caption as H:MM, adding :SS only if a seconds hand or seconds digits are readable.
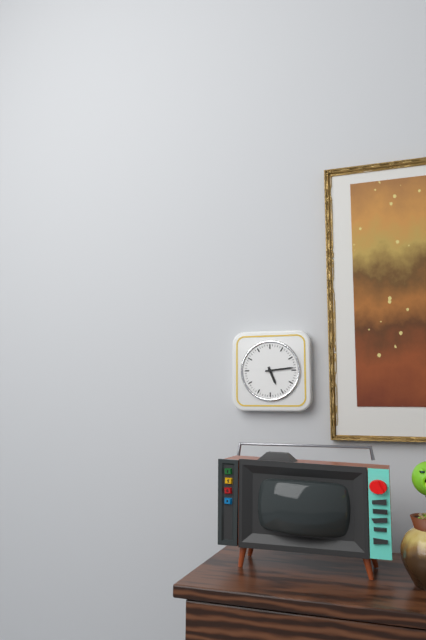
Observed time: 5:14
